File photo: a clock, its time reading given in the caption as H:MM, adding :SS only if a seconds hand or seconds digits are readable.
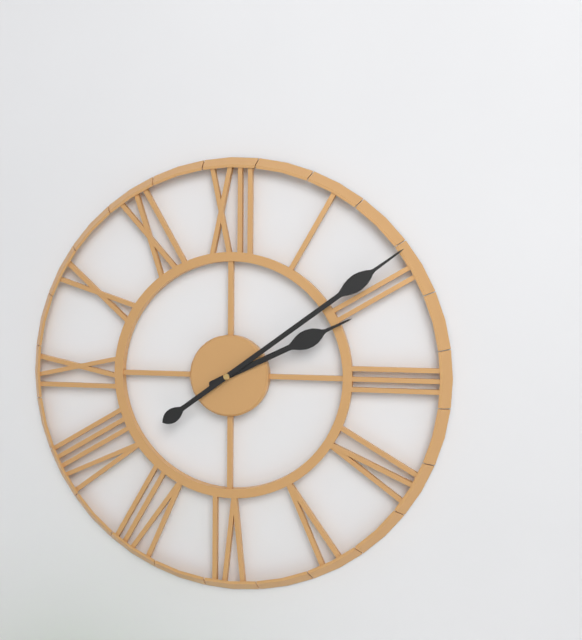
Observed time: 2:09
